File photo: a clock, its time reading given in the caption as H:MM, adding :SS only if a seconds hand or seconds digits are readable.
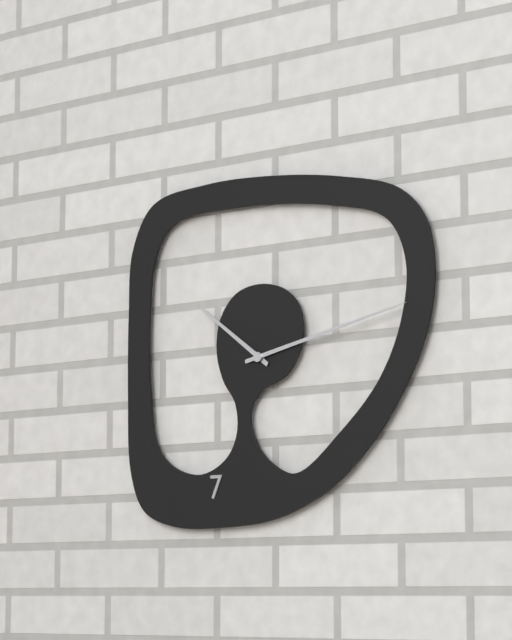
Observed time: 10:13
